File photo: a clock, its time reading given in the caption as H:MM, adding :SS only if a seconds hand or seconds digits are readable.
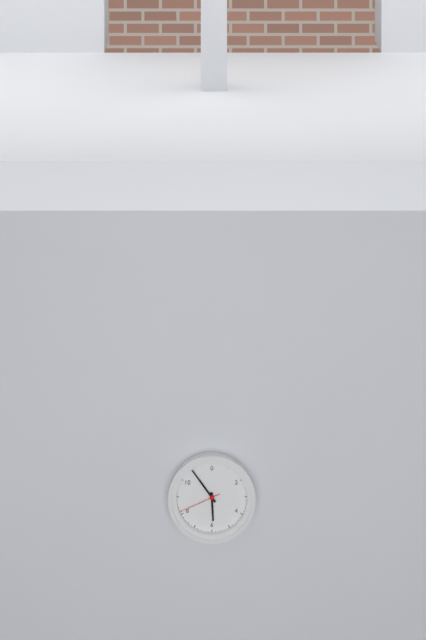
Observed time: 5:54
